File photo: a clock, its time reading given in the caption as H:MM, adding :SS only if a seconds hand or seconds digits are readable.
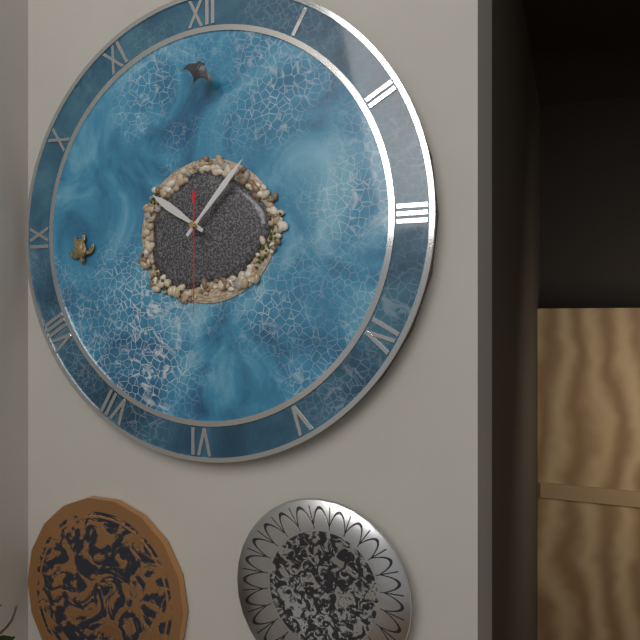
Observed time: 10:07:30
